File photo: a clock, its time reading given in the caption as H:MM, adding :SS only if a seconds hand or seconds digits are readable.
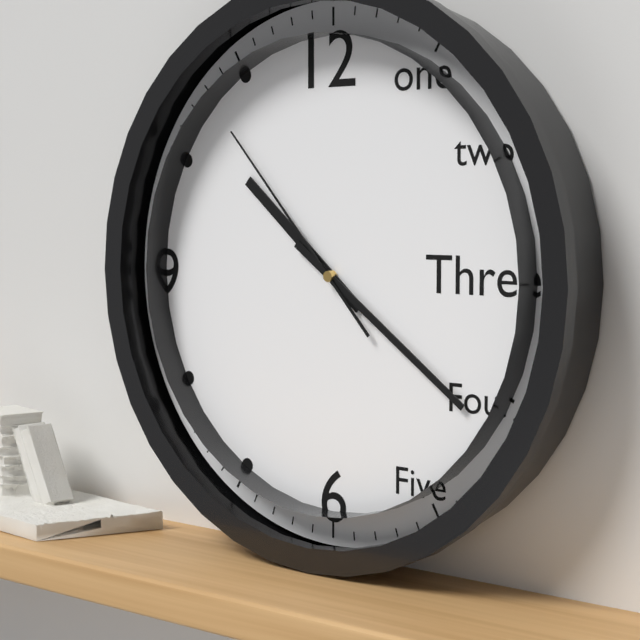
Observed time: 10:21:53
